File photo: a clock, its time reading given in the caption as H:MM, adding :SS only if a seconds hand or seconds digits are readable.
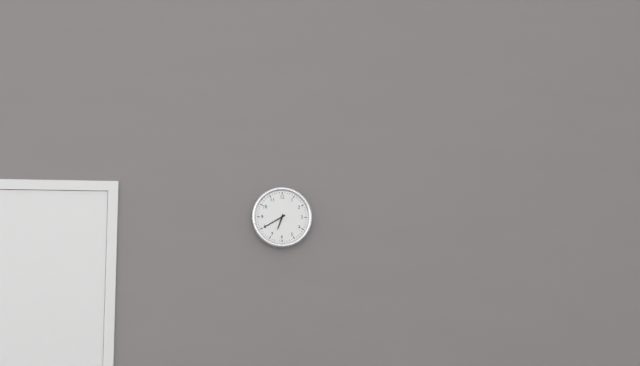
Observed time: 6:40
